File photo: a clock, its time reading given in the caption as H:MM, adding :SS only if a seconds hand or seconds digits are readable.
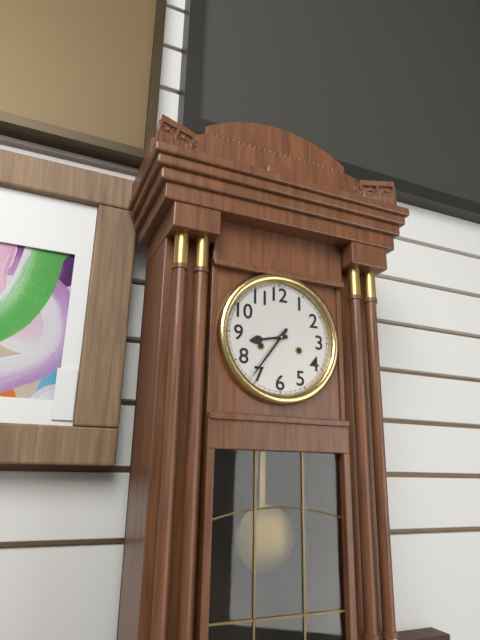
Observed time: 8:36
